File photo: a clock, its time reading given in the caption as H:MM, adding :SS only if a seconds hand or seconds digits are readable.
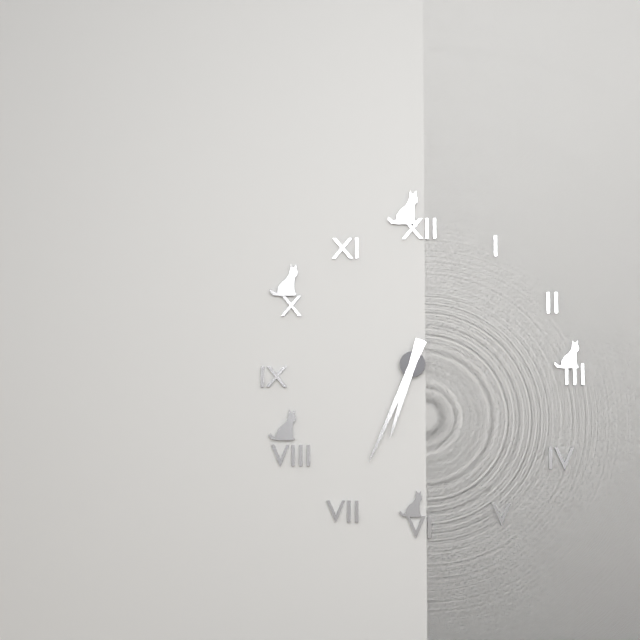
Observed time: 6:34
